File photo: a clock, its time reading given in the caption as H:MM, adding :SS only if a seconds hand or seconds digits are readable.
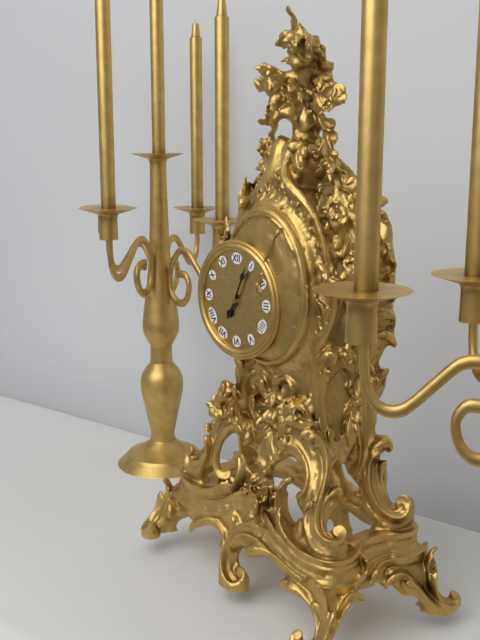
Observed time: 7:04
